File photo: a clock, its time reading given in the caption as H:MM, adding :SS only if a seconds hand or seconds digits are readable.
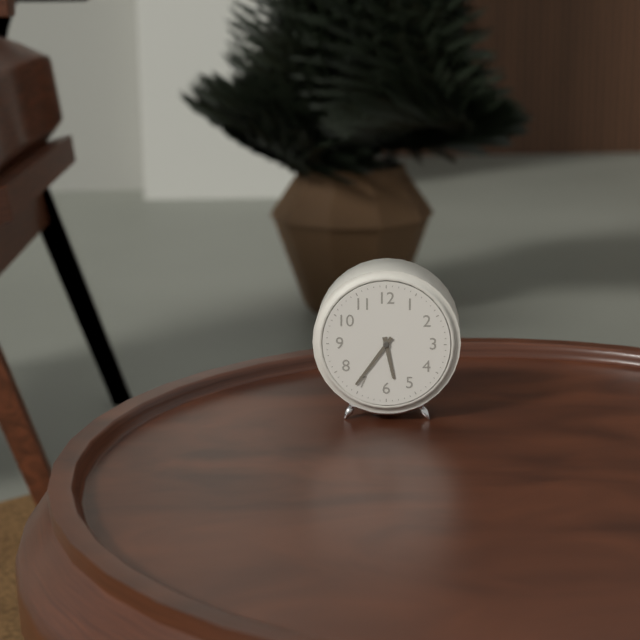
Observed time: 5:36
